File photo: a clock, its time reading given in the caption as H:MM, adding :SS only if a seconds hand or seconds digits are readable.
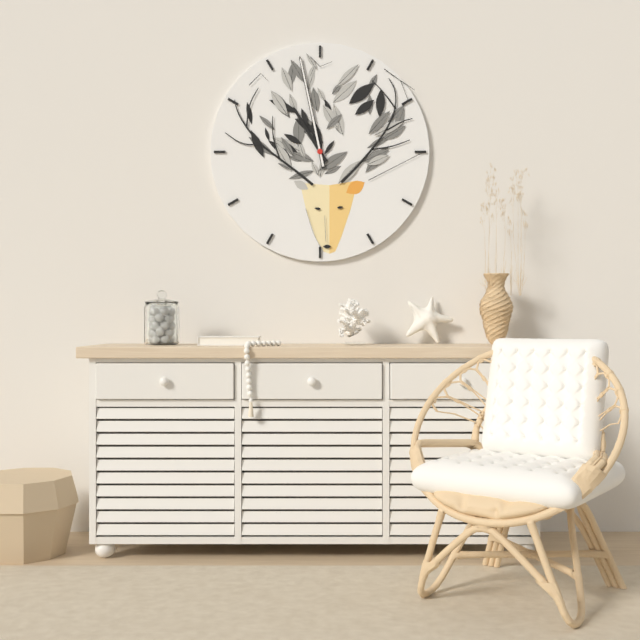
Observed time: 10:58
